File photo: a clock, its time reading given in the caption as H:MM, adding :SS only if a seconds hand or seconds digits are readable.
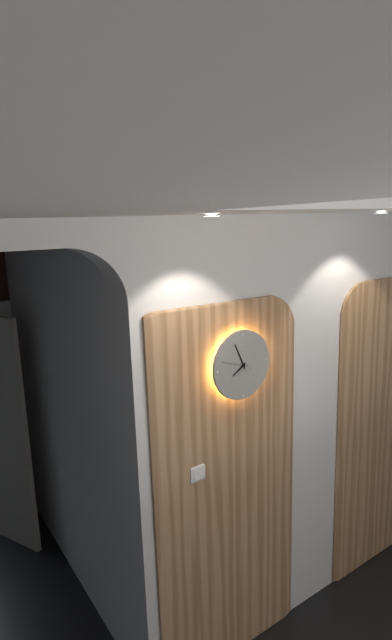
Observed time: 7:56
